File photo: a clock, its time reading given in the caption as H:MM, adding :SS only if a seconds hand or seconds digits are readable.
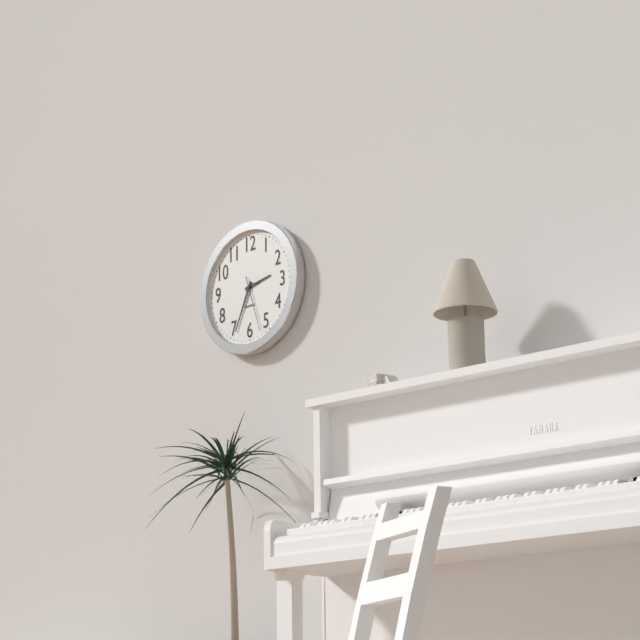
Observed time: 2:34:27
